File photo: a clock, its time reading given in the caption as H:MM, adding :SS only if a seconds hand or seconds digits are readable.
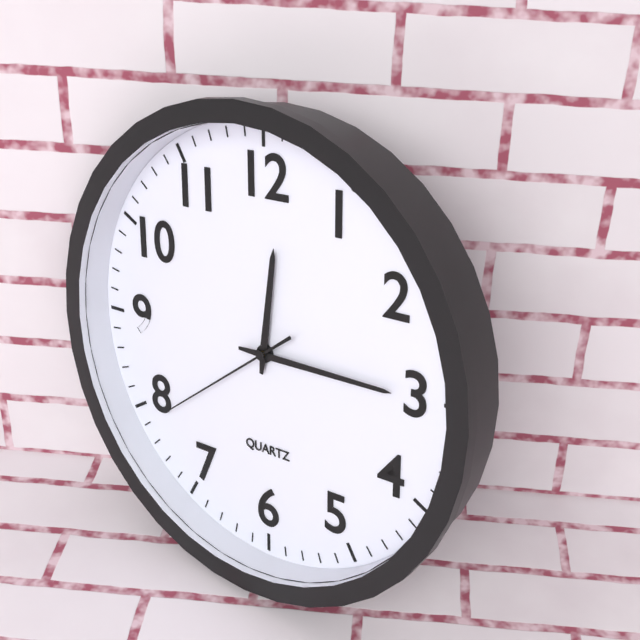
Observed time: 12:15:39
